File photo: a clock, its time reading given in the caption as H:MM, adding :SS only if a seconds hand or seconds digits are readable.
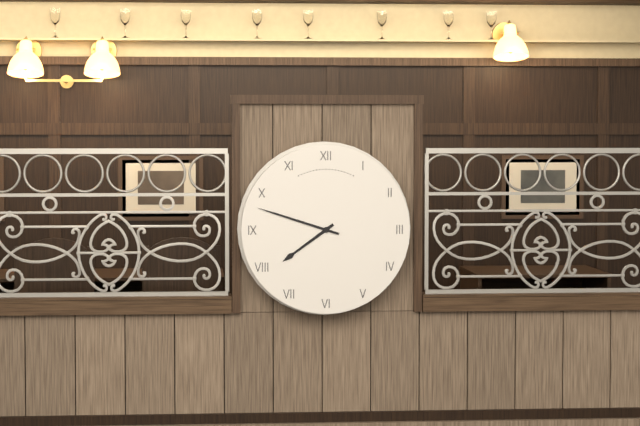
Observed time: 7:48
